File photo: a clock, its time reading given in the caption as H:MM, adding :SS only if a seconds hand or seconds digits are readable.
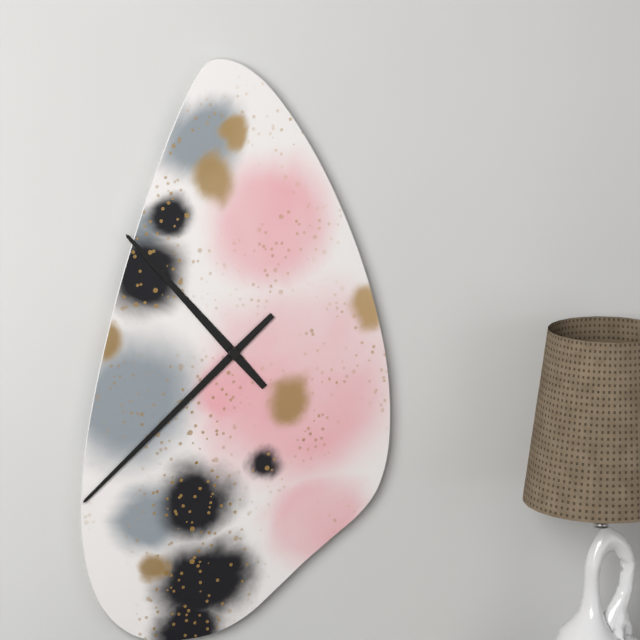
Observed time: 10:38
